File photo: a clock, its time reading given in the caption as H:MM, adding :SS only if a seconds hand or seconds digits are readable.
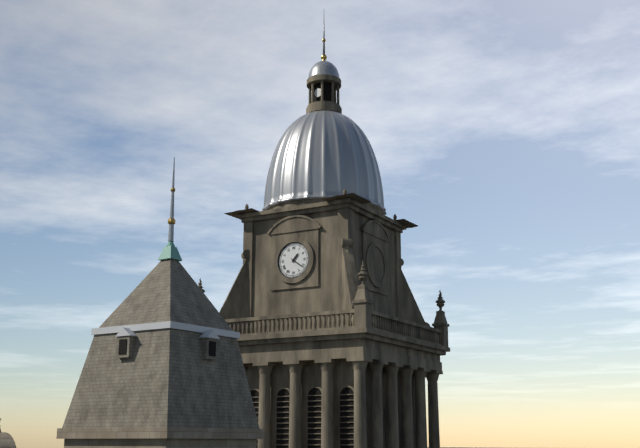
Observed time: 1:21
